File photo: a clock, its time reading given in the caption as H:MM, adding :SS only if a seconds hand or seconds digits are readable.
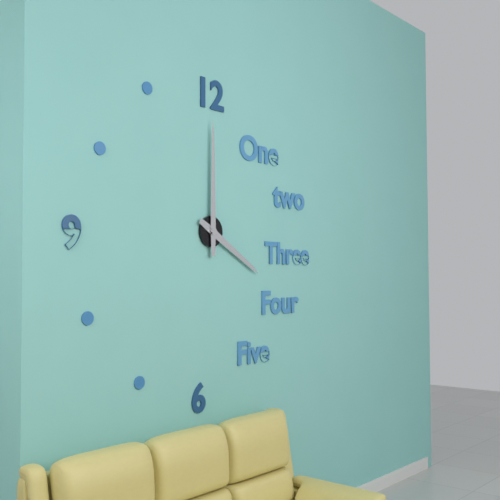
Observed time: 4:00
